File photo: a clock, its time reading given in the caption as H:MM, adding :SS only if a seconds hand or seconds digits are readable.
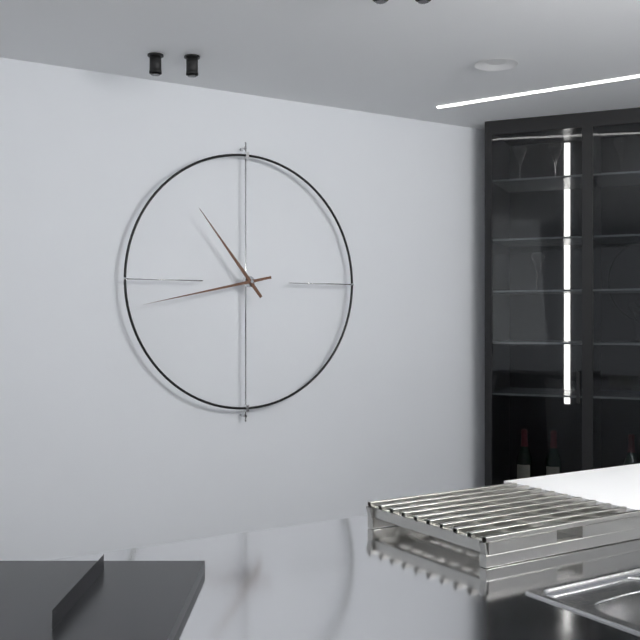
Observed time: 10:43
